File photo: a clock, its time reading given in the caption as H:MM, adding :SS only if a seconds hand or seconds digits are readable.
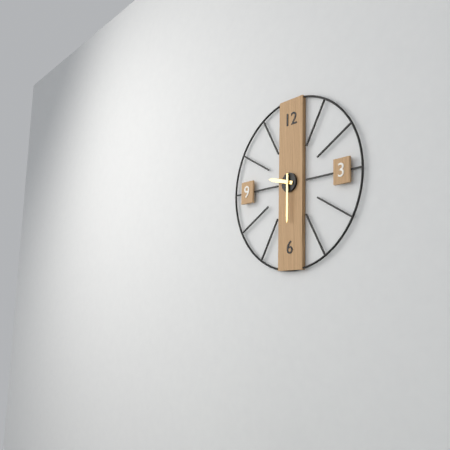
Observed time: 9:30
